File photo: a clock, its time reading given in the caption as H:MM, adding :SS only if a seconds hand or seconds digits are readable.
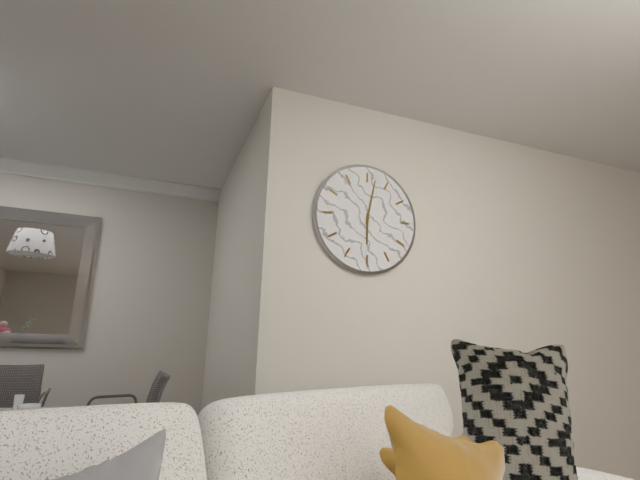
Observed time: 6:02
